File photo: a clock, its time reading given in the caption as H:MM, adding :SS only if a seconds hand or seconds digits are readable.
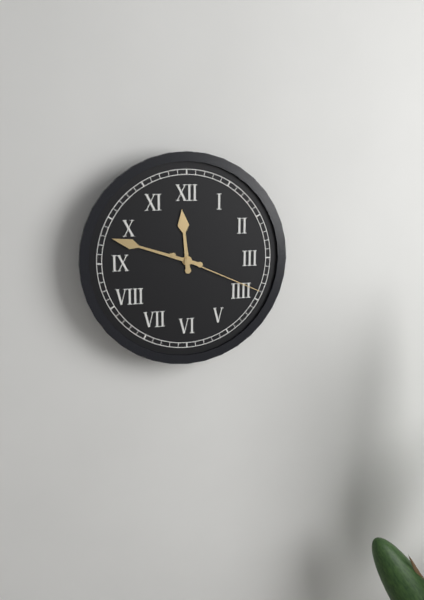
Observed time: 11:48:19
